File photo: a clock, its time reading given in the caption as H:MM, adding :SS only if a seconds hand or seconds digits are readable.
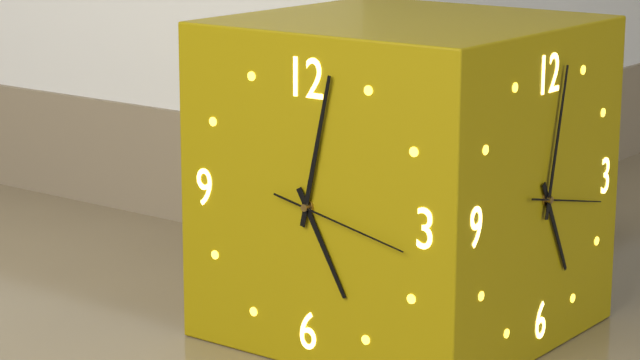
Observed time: 5:02:17
